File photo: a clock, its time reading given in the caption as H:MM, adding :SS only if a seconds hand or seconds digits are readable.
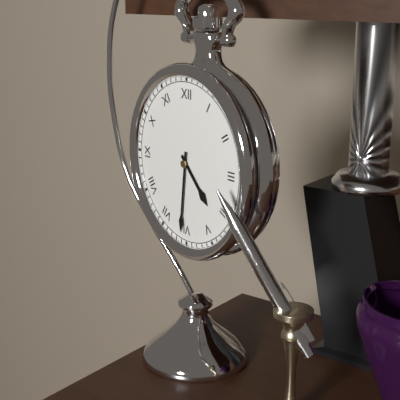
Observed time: 4:31
